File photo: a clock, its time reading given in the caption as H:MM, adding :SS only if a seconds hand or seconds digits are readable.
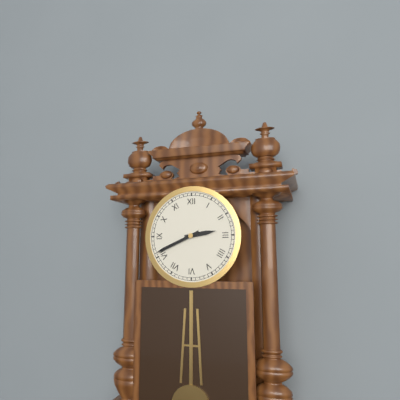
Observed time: 2:41
